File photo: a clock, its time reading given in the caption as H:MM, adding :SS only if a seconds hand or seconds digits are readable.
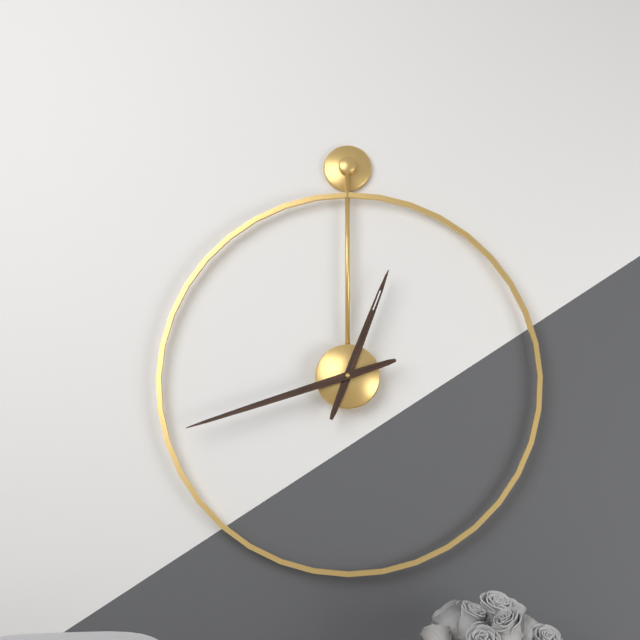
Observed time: 12:42
